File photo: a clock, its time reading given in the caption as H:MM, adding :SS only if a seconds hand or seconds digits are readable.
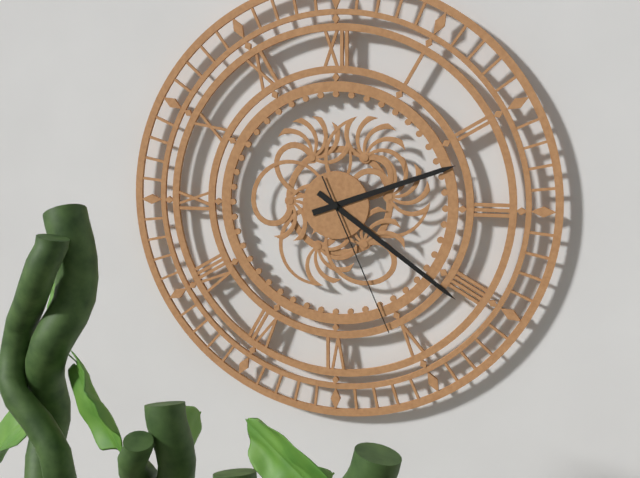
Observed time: 2:21:26
